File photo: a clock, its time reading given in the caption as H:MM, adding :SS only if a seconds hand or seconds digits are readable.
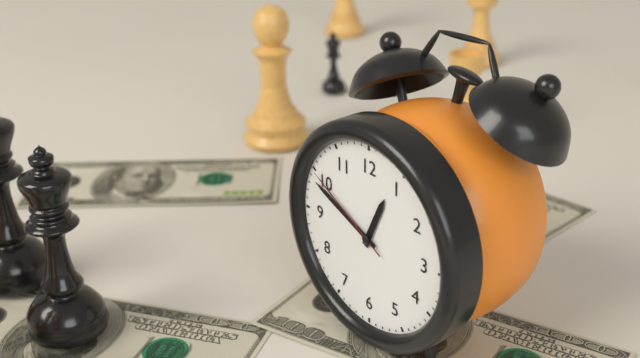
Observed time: 12:49:50
